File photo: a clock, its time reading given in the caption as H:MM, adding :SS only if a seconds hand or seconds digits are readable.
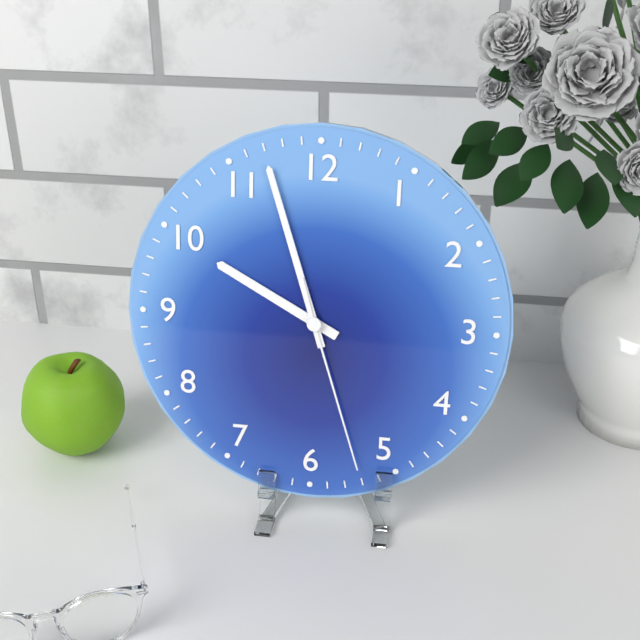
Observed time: 9:57:27
